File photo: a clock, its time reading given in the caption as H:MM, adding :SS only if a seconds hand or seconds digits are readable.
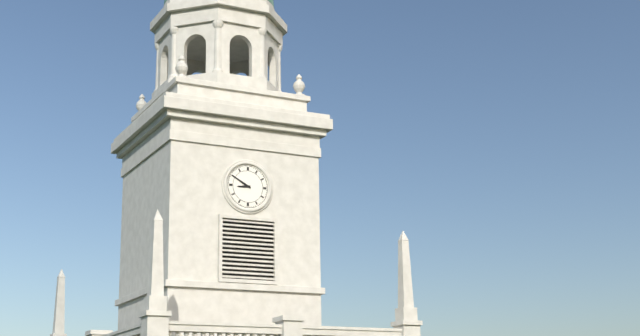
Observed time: 8:50
